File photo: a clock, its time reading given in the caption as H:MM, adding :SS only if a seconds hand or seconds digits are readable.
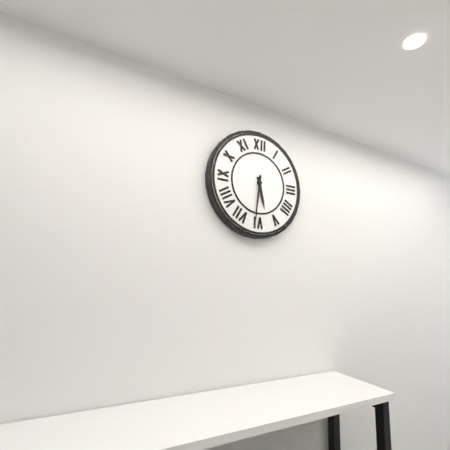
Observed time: 5:31
